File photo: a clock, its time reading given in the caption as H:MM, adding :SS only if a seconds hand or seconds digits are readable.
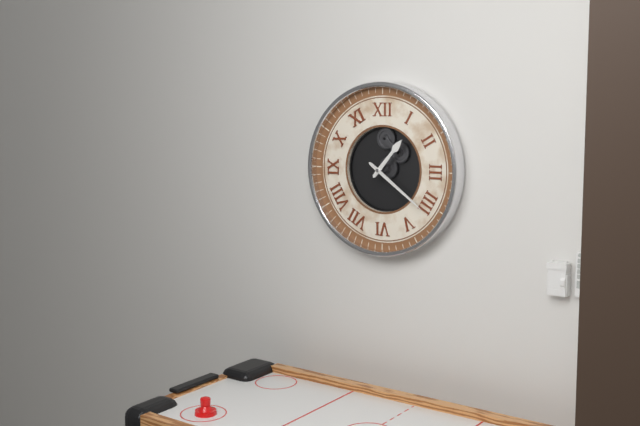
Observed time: 1:21
